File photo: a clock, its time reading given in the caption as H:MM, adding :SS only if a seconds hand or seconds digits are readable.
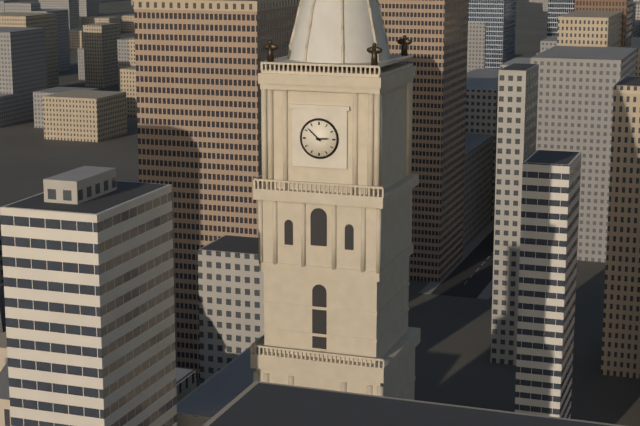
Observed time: 2:52
